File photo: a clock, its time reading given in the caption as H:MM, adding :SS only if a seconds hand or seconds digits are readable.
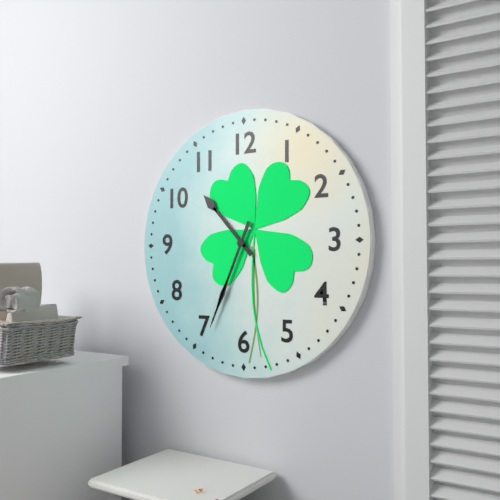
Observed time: 10:34
